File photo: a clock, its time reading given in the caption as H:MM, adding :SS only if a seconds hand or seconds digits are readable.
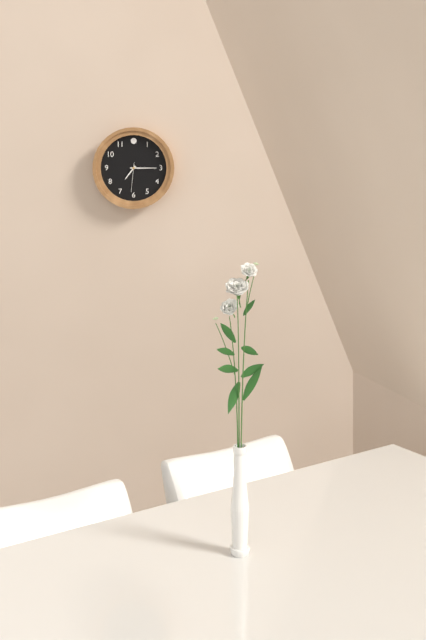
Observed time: 7:15
